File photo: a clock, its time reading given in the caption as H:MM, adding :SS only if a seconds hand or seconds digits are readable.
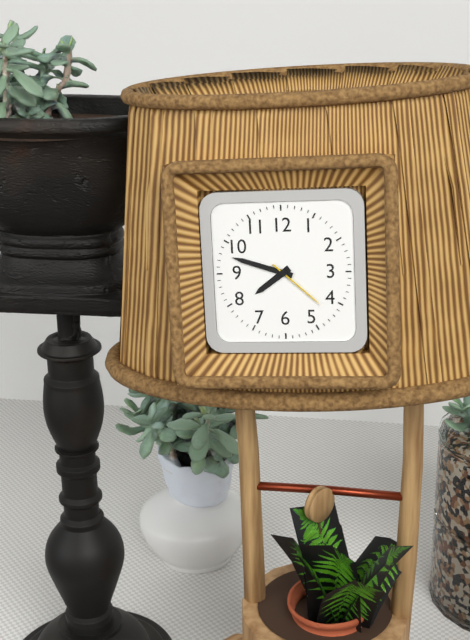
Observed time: 7:48:22
